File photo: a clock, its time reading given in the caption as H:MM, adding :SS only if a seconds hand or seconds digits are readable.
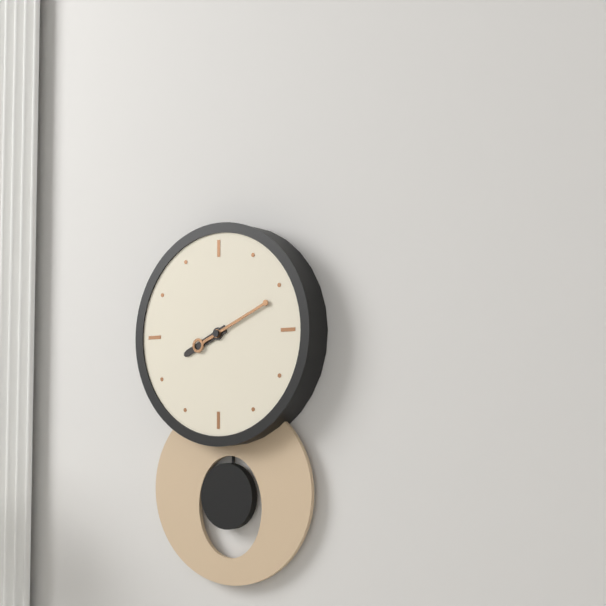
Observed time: 8:11
